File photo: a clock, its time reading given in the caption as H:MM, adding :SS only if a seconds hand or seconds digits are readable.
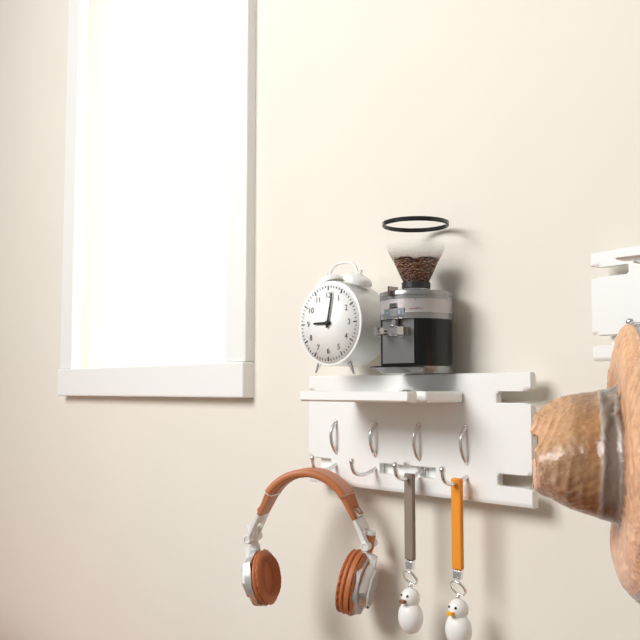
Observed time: 9:02
